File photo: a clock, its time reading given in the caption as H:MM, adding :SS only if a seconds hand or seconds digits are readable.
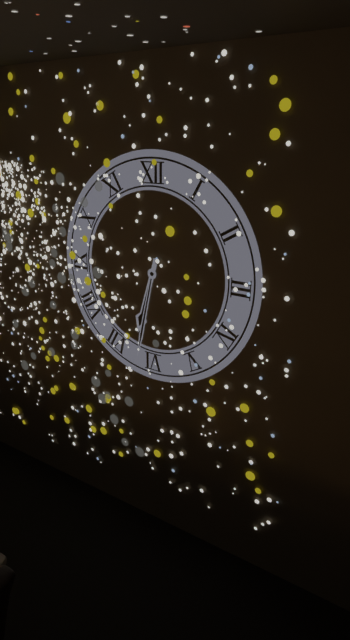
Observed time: 6:32
